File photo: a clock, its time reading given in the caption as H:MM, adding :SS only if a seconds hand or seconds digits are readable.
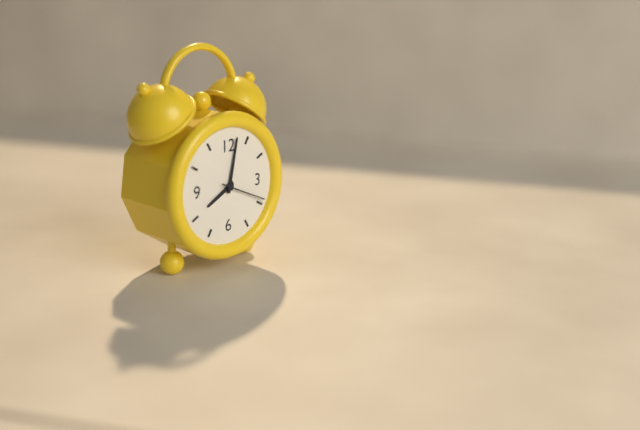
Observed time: 8:02
